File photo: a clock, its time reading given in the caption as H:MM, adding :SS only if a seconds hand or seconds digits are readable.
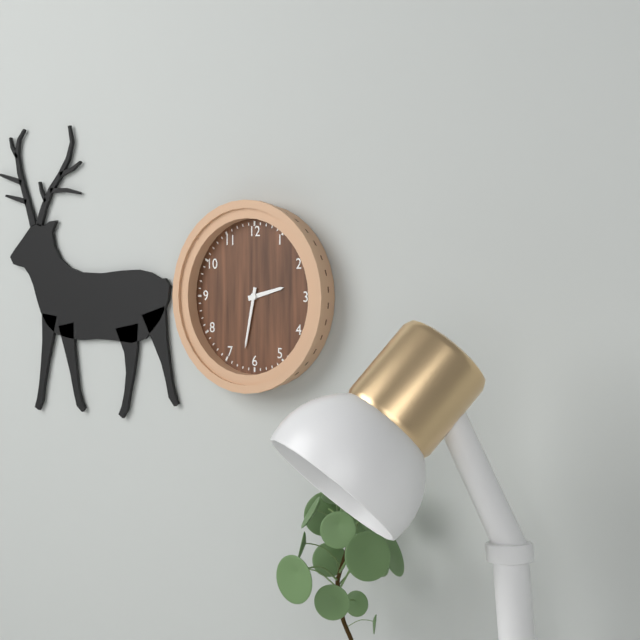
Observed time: 2:32
